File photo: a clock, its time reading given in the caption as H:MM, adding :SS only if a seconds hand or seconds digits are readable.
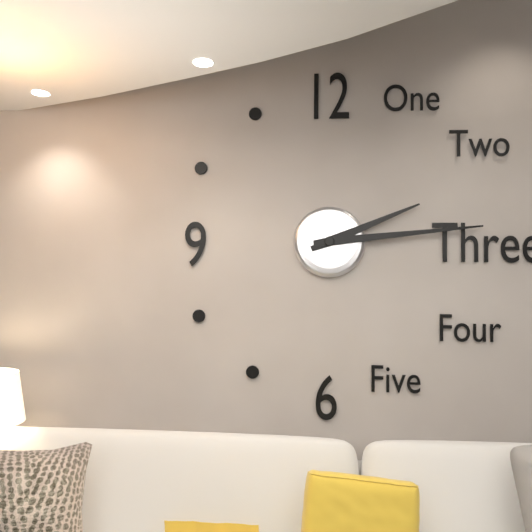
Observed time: 2:14
